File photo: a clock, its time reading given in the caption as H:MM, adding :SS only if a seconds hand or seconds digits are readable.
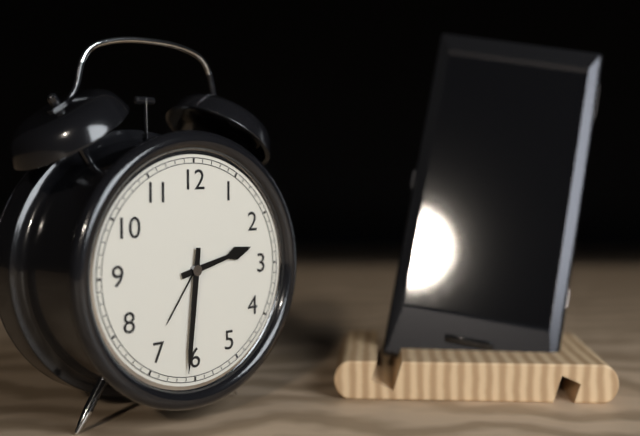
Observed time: 2:31
